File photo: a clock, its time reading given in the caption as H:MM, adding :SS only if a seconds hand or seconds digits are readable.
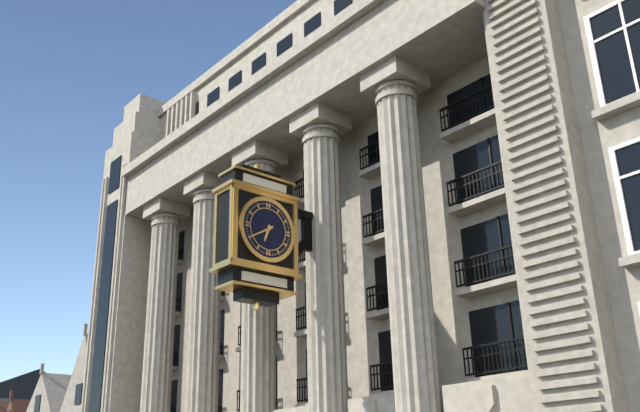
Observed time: 6:40
